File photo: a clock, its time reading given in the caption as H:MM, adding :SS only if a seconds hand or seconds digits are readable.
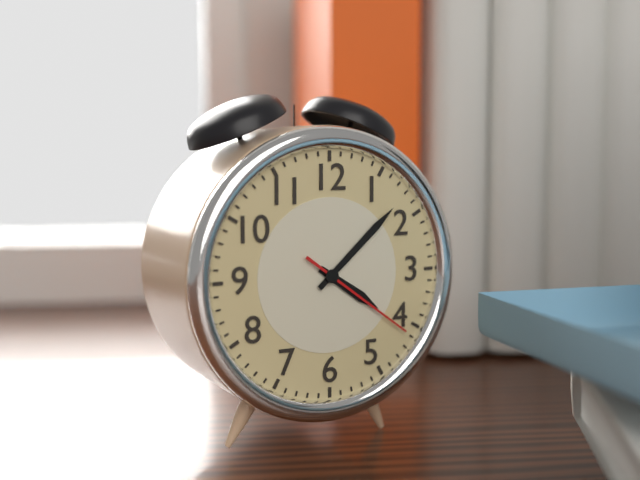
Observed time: 4:08:21
